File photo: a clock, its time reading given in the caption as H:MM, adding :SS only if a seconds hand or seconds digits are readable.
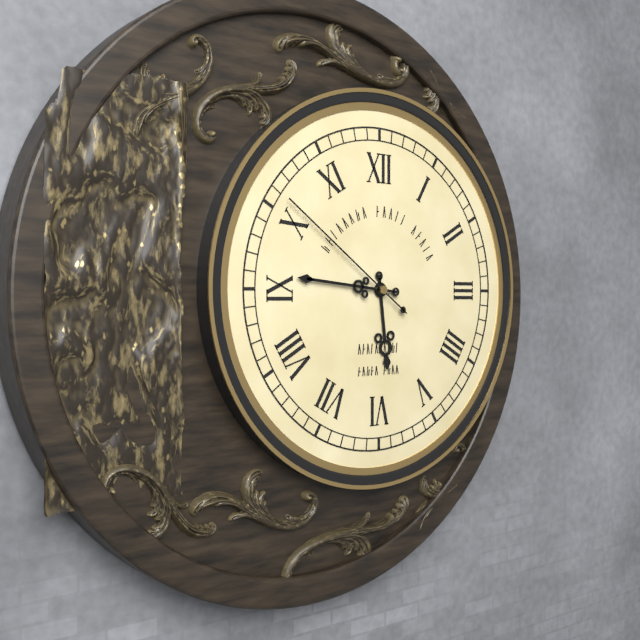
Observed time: 5:46:51
